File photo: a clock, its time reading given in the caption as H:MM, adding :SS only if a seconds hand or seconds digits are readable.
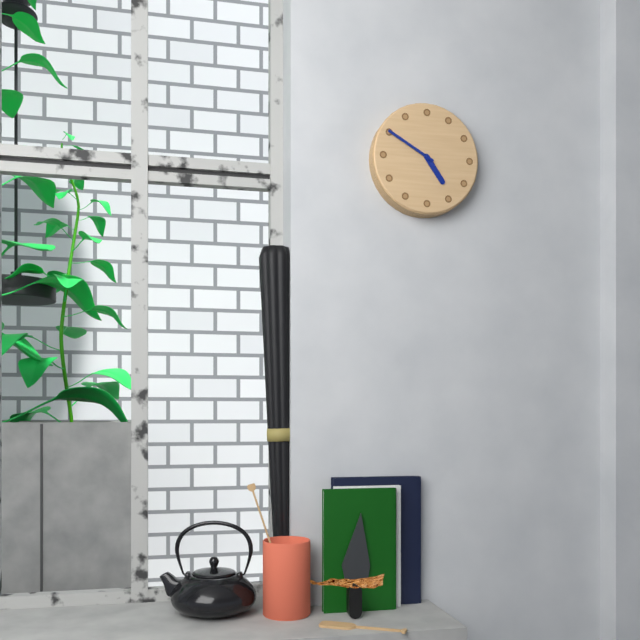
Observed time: 4:50
